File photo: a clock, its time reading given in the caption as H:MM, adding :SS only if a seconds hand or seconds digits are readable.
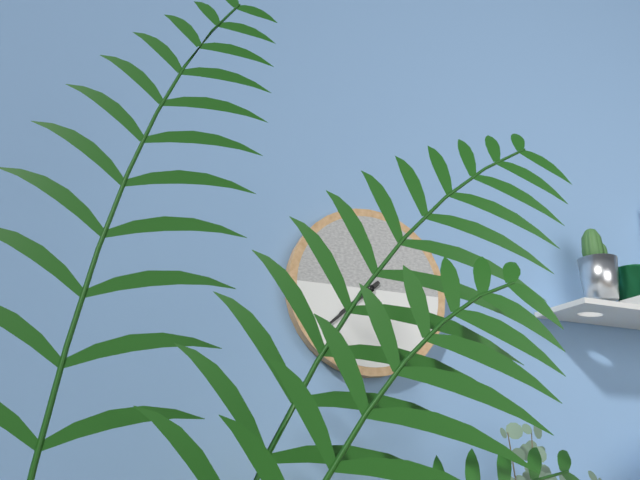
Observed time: 7:38
